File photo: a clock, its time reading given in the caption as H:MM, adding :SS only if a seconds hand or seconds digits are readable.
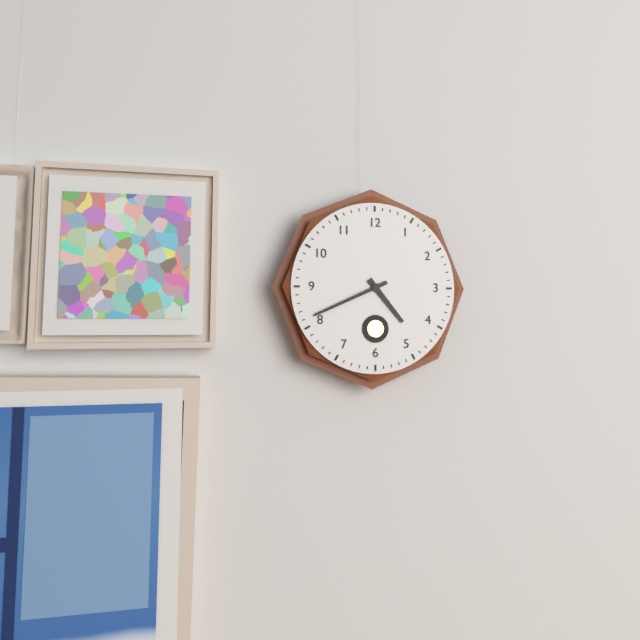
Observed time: 4:41
